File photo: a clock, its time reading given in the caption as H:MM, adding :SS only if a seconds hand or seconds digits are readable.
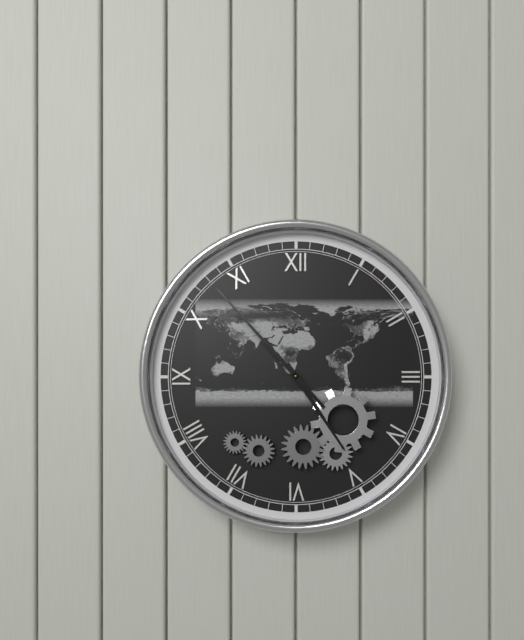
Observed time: 4:53
